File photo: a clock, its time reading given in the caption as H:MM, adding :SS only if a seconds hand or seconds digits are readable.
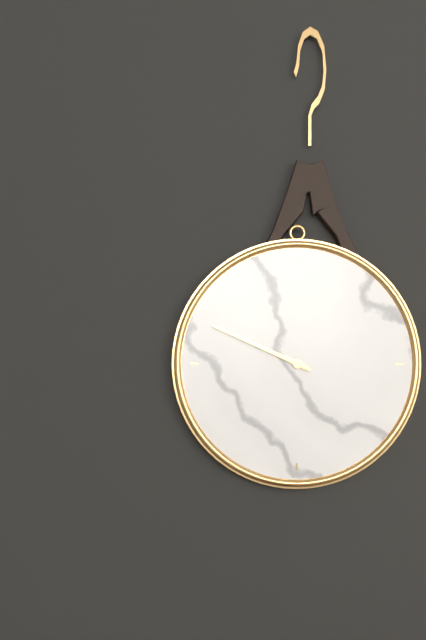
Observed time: 9:49
